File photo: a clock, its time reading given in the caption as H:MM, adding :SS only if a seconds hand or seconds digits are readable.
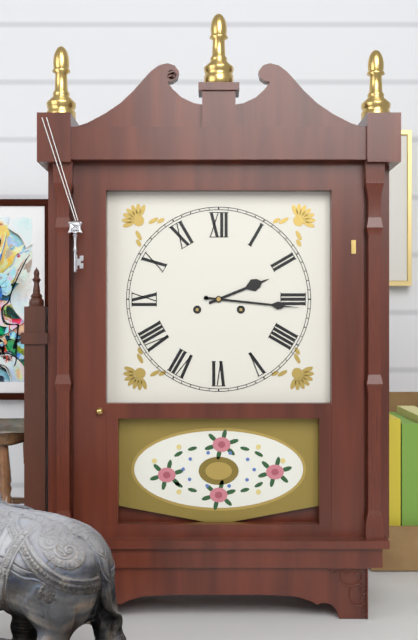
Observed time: 2:16
